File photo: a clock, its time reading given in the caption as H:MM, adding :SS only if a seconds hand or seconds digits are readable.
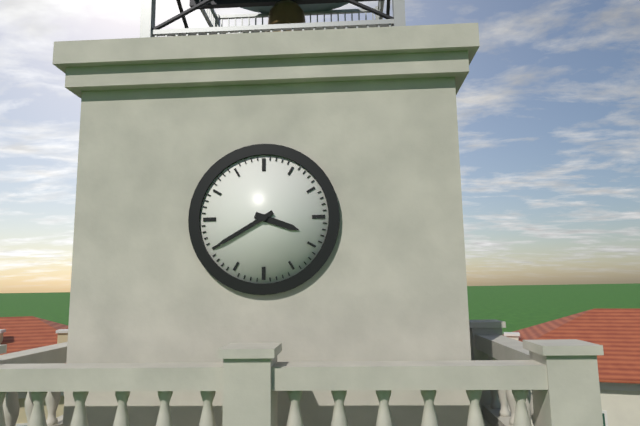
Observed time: 3:40
